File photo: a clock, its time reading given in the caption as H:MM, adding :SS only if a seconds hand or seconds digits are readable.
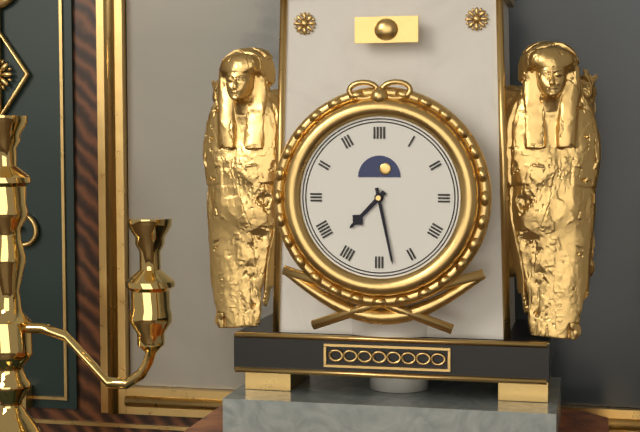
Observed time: 7:28
